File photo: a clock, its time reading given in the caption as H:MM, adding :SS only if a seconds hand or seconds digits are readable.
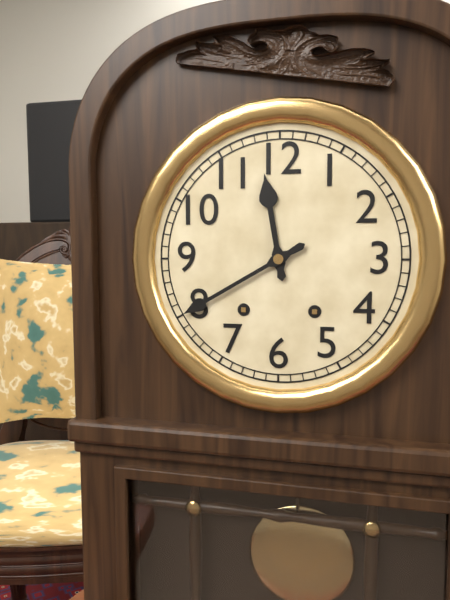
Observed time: 11:40
